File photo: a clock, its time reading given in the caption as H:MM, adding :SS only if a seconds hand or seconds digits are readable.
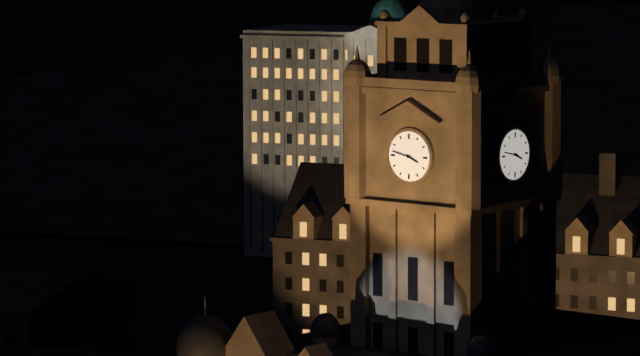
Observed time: 3:47
